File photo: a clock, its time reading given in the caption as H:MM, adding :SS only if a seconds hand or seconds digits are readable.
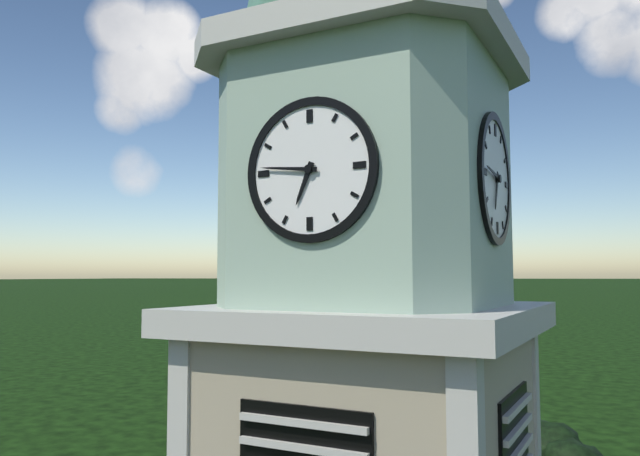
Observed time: 6:46
